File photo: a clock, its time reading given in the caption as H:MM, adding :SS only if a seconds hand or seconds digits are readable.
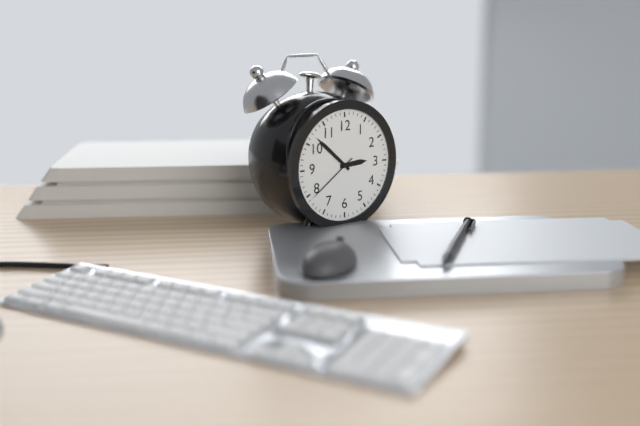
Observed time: 2:52:39
